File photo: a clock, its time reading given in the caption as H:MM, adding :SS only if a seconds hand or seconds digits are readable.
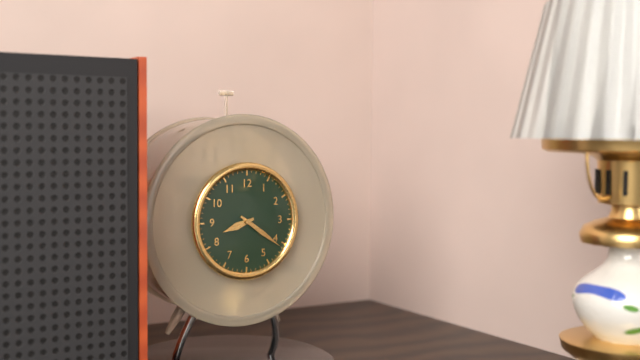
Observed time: 8:21
